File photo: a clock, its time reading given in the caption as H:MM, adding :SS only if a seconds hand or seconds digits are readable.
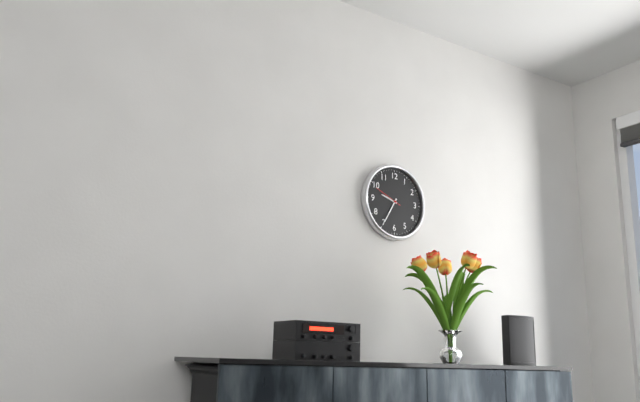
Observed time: 9:35
